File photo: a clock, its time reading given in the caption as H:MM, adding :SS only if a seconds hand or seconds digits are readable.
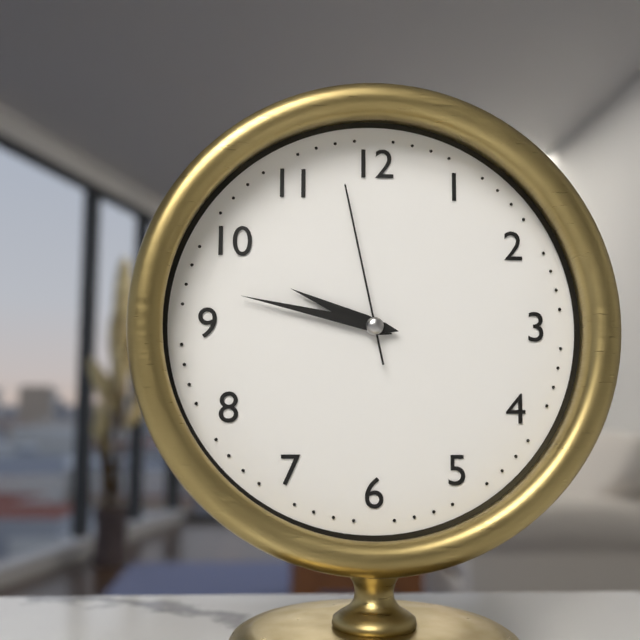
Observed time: 9:47:58
